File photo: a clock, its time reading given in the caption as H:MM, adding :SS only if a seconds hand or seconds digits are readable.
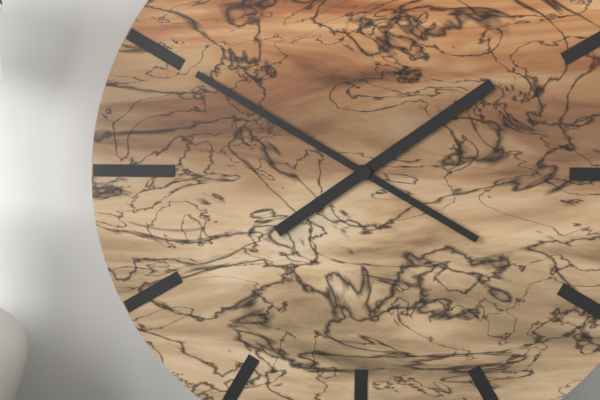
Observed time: 1:50
